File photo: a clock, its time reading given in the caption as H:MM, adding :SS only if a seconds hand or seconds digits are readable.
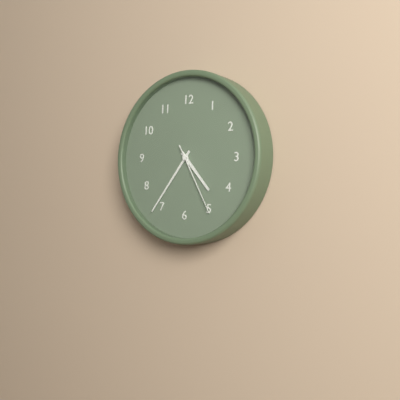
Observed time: 4:36:25
